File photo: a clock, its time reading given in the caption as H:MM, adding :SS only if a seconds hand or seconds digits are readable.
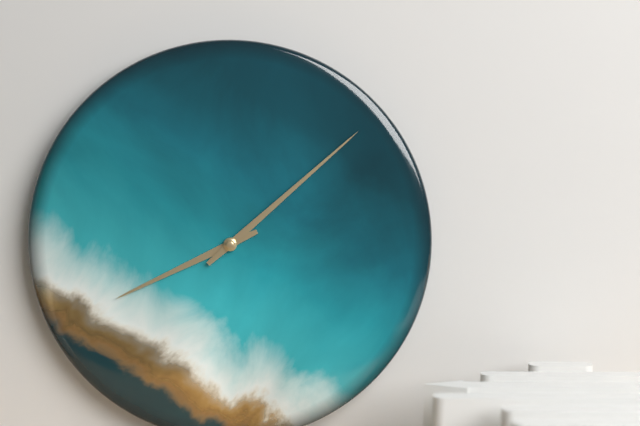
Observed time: 8:08
